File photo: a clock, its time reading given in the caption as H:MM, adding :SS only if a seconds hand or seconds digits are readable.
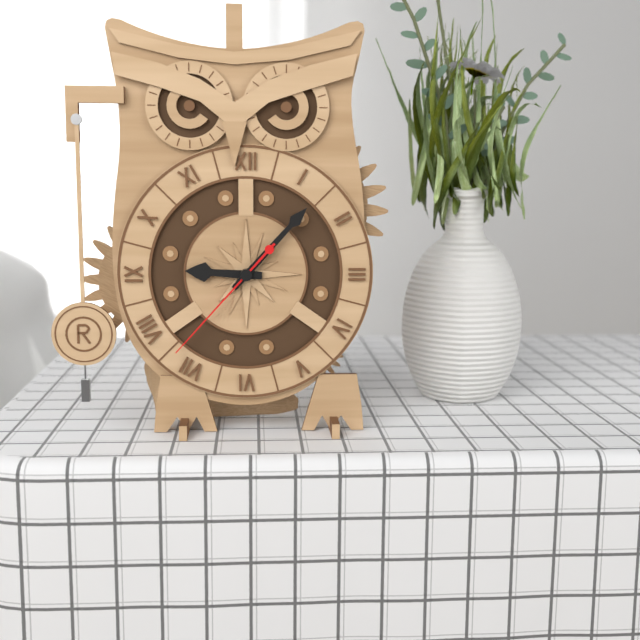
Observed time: 9:07:37
